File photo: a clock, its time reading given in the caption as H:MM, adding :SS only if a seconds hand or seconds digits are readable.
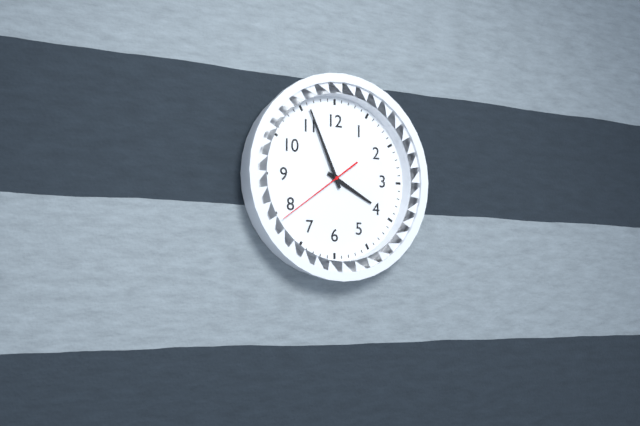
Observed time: 3:56:39
